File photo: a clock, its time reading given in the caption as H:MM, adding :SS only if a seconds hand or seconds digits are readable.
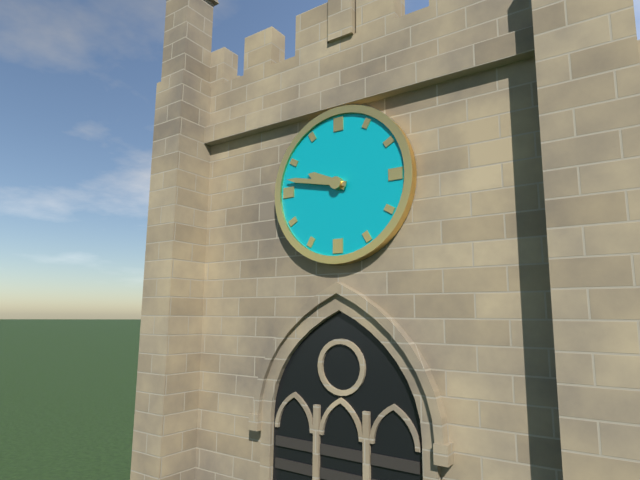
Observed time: 9:47
